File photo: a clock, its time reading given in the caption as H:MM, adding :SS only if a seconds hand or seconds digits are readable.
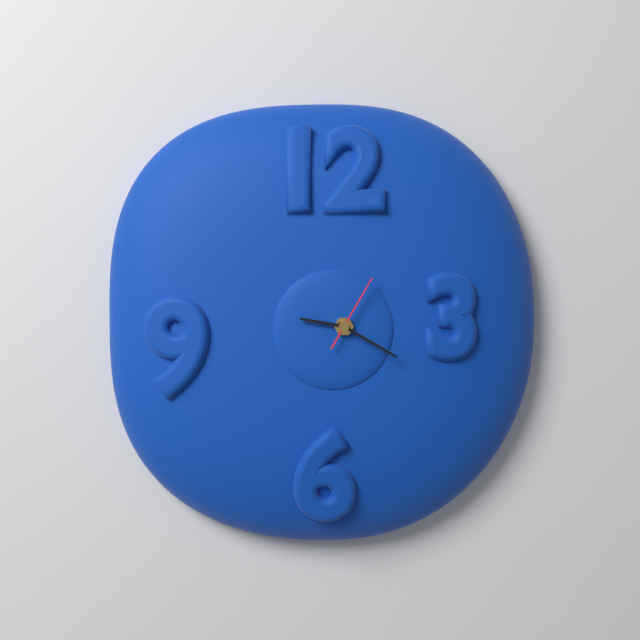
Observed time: 9:20:05
